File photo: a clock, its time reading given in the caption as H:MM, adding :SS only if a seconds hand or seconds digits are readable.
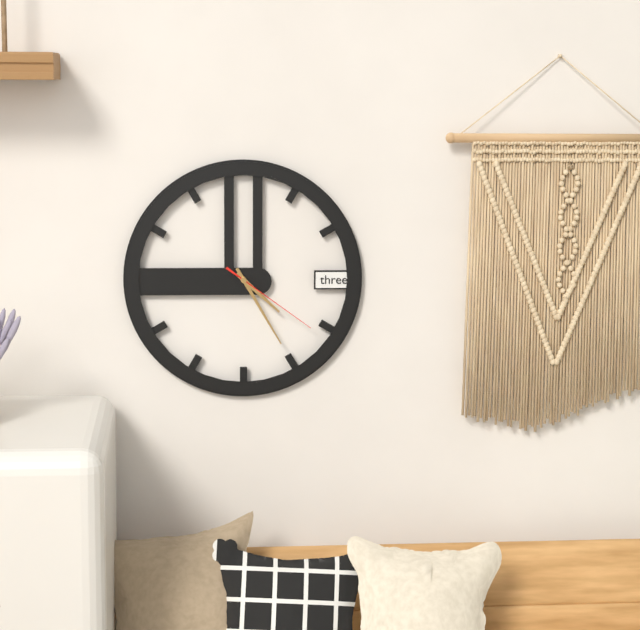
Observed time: 4:25:21
